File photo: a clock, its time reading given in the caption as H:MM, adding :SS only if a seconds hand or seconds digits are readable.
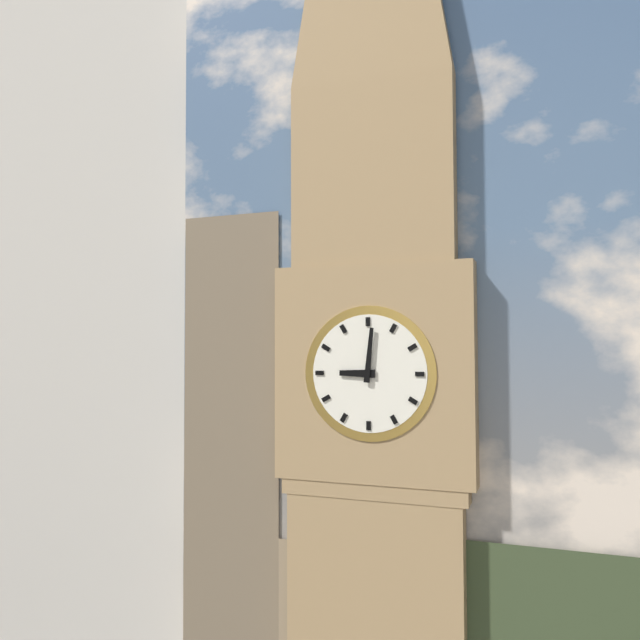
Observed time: 9:01
